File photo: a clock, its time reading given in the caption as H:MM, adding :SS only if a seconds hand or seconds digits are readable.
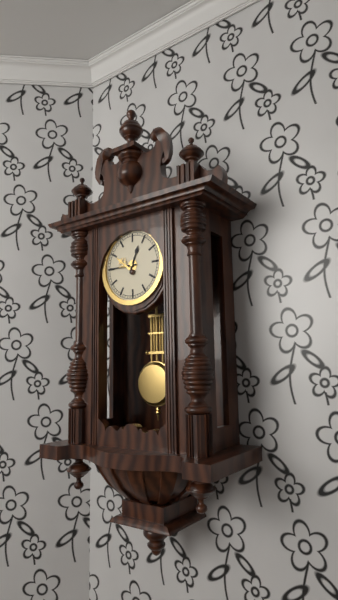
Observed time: 12:45
